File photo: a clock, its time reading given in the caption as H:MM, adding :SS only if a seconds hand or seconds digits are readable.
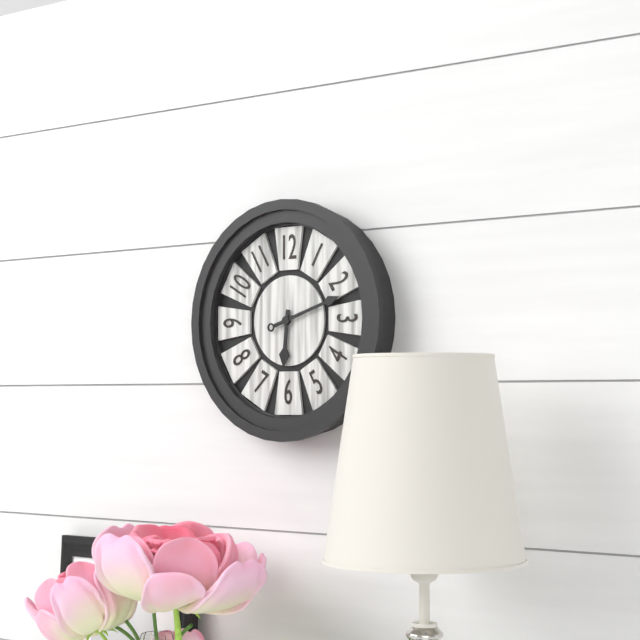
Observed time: 6:12
